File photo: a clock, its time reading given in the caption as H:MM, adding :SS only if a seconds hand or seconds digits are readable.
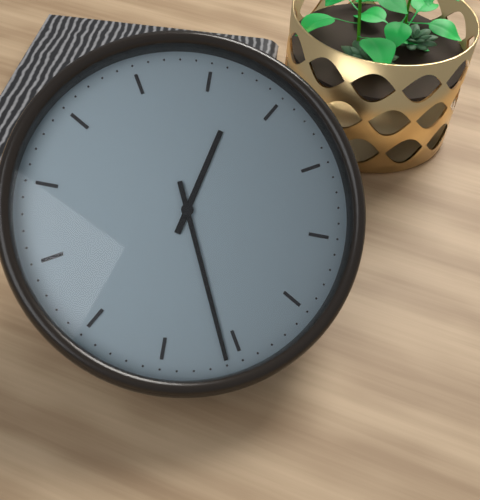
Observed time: 12:26
